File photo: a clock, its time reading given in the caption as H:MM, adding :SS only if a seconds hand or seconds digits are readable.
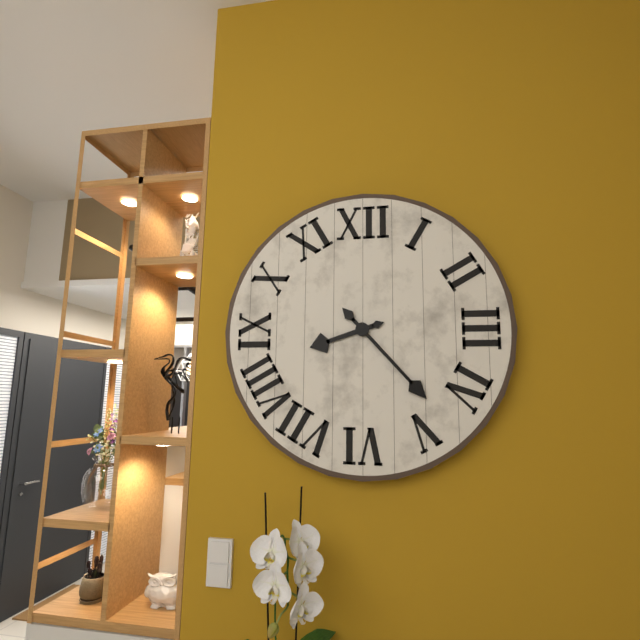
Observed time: 8:23
